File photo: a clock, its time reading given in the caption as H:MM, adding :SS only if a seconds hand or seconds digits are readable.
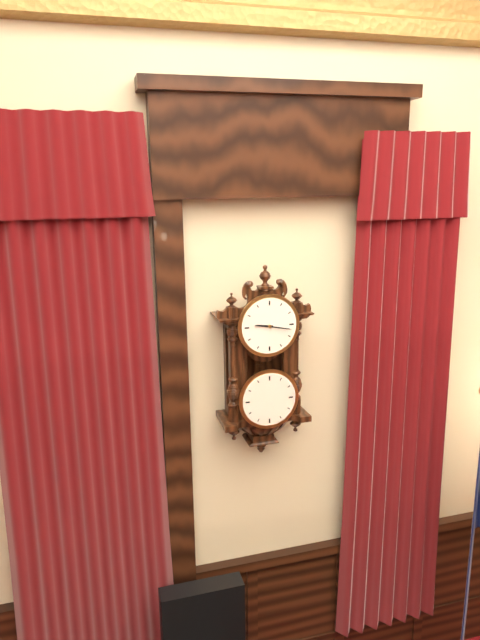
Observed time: 9:17
